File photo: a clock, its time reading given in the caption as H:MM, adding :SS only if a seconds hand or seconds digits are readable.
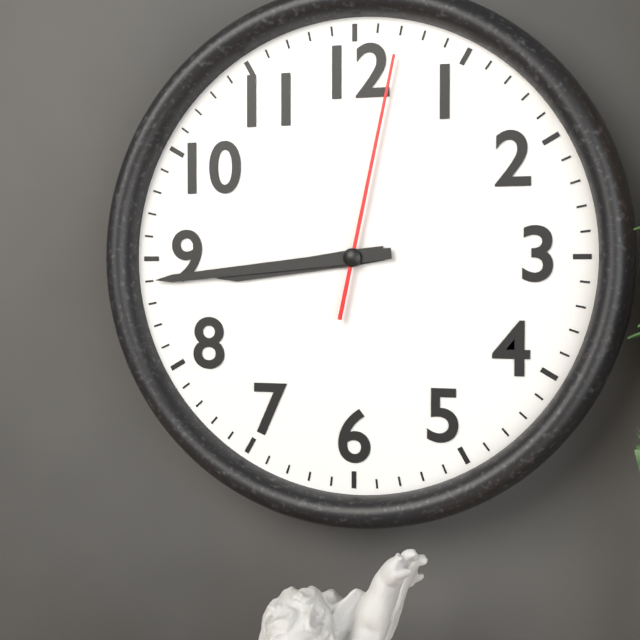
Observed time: 8:44:02
